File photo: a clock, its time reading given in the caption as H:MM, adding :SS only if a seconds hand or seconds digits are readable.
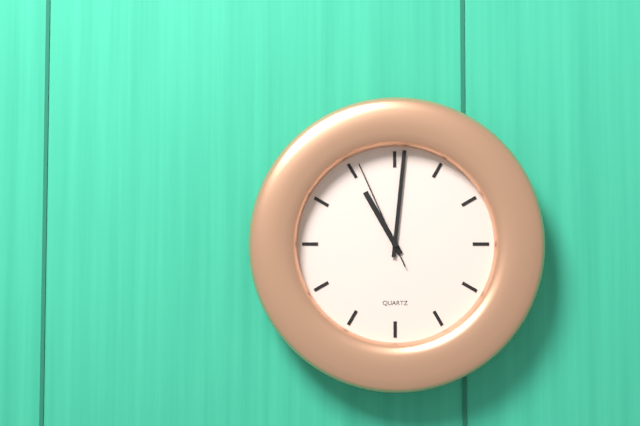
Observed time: 11:01:56
